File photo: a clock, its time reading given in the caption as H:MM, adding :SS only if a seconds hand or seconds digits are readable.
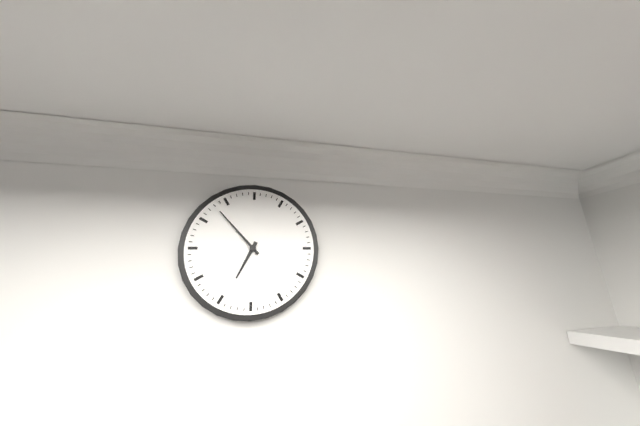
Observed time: 6:53
